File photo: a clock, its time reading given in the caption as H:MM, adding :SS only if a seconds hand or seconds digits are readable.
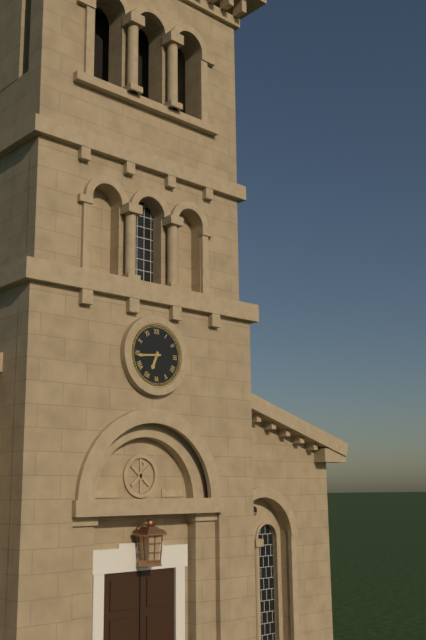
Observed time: 6:44
